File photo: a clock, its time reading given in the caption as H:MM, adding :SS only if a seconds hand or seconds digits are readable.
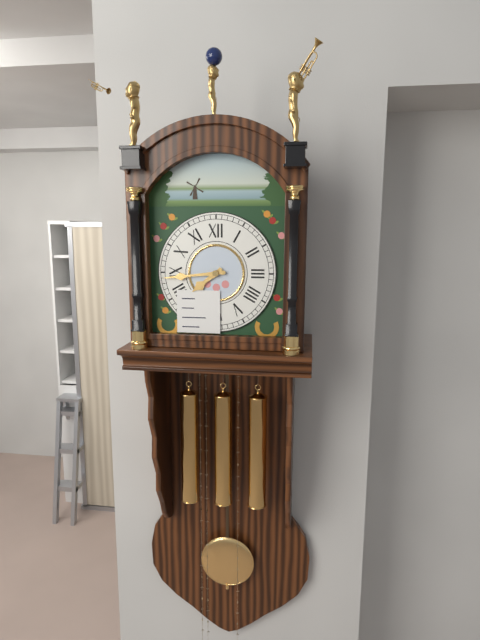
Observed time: 7:44
